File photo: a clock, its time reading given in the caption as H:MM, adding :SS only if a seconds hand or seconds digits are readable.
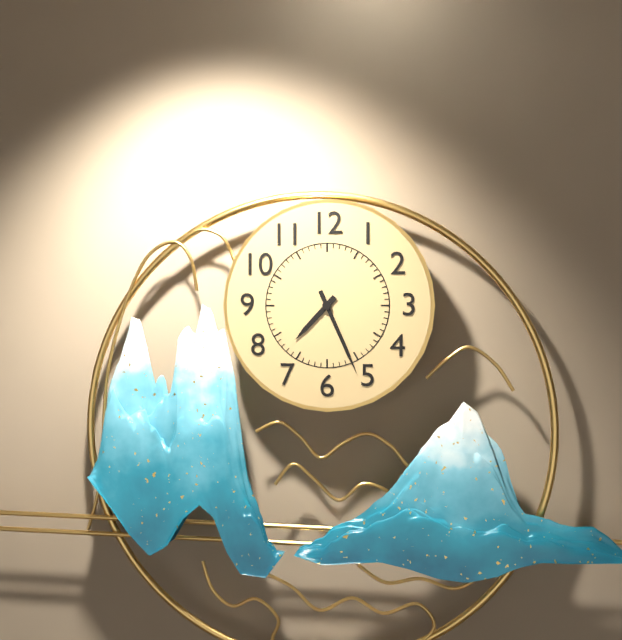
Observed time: 7:26
